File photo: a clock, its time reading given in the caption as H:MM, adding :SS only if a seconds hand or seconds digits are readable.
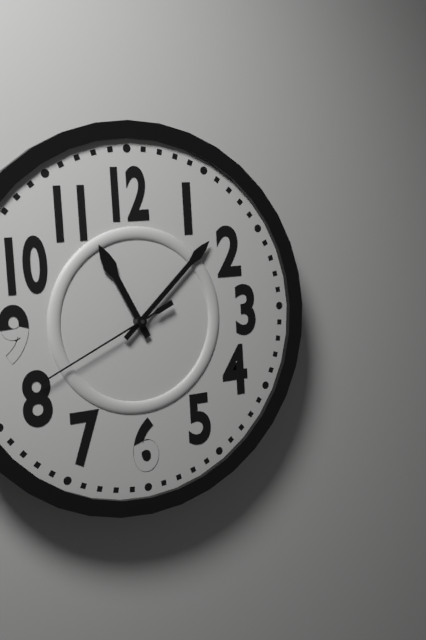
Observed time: 11:08:41
